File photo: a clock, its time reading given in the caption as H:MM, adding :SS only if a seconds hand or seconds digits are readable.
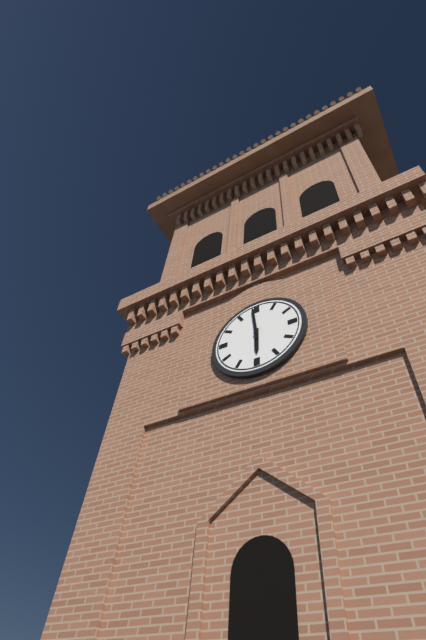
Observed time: 5:59
